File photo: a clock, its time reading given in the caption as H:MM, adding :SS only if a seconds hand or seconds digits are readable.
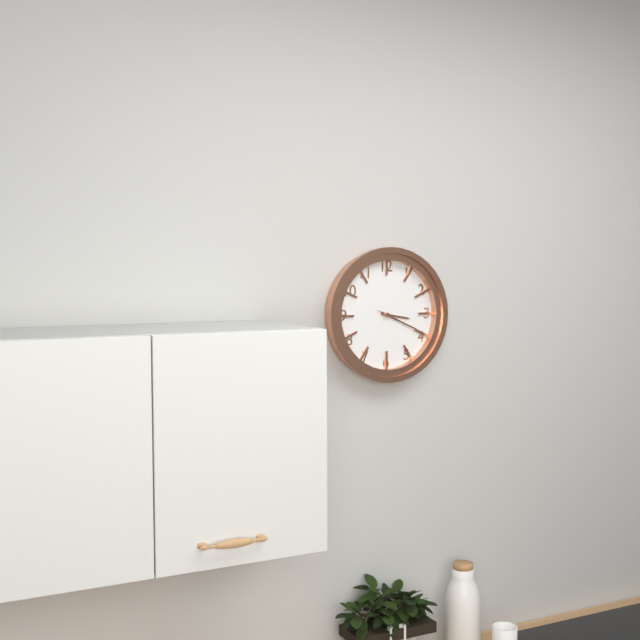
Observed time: 3:19:19
